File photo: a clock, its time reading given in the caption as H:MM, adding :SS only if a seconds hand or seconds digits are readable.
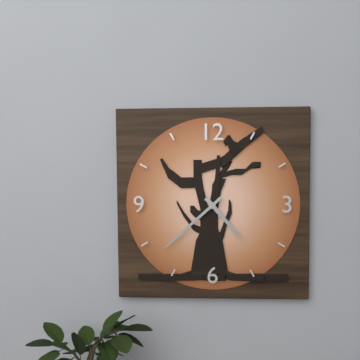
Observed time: 4:38
